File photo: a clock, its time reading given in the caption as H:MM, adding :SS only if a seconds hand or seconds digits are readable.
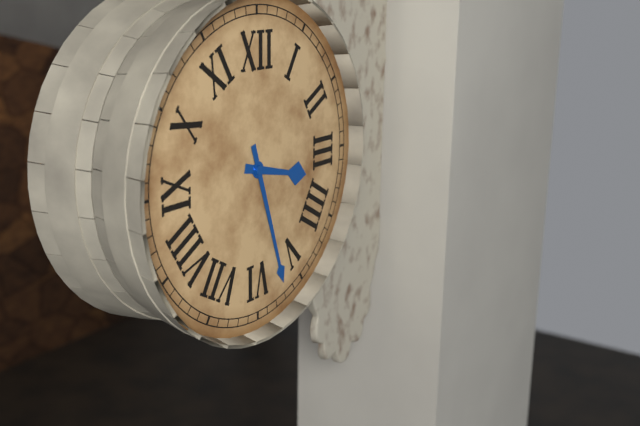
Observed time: 3:27
